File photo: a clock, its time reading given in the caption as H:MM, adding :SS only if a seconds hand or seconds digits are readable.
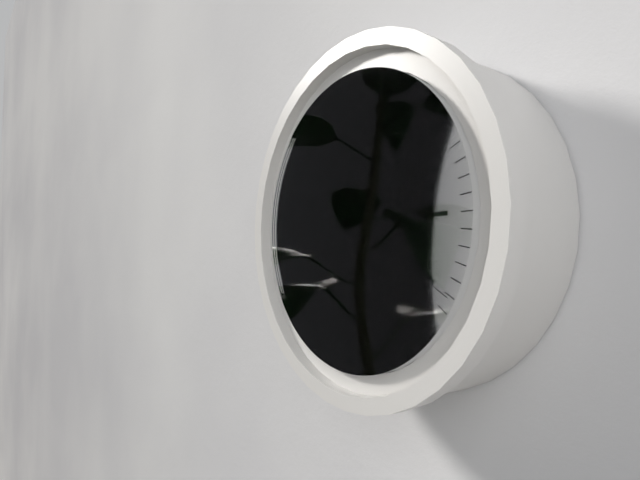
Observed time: 10:57:20
